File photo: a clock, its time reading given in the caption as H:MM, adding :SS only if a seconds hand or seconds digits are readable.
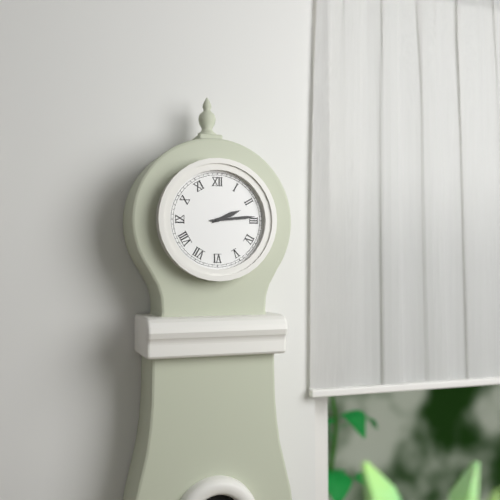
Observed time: 2:14
